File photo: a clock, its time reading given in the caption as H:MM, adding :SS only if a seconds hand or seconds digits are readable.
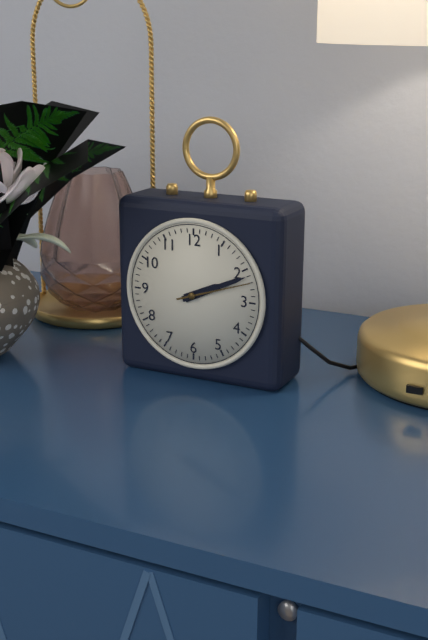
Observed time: 2:11:12
